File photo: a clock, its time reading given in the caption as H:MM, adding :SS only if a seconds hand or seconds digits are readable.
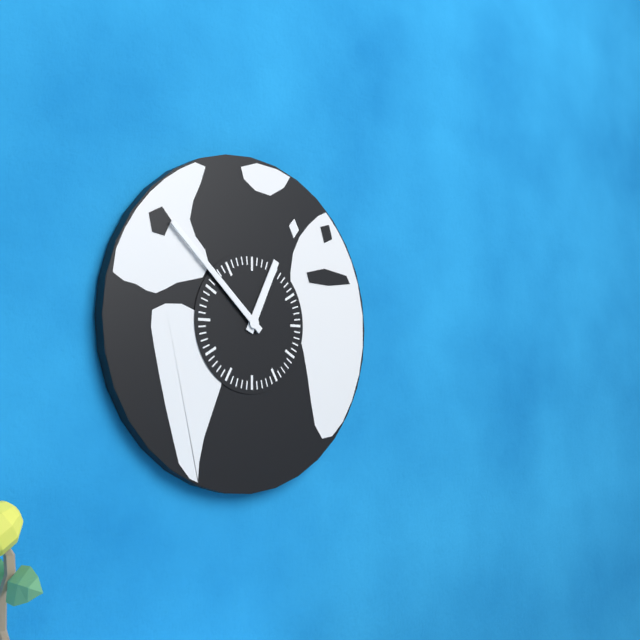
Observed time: 12:52
